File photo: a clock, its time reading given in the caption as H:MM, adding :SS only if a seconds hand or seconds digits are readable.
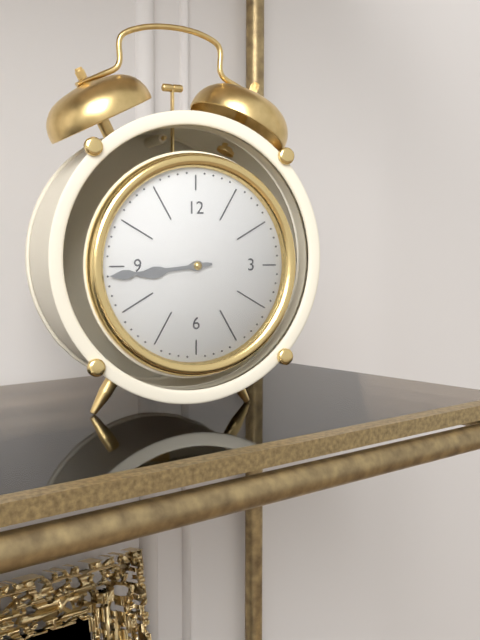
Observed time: 8:44
